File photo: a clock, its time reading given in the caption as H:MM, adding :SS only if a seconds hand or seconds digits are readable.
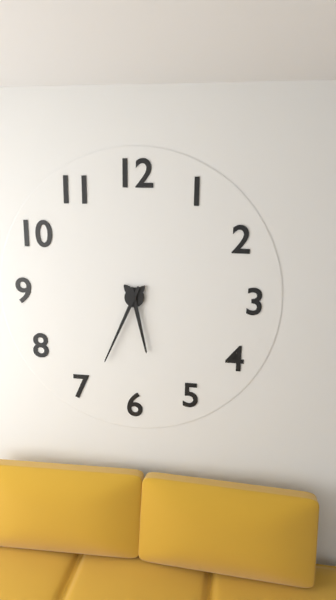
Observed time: 5:34
